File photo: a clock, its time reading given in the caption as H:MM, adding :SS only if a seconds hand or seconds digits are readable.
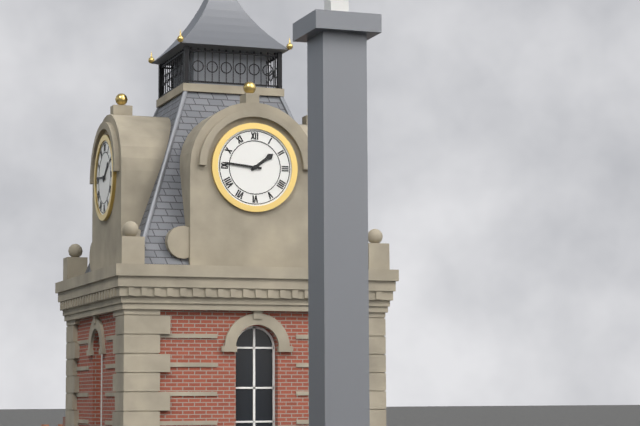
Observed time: 1:46
